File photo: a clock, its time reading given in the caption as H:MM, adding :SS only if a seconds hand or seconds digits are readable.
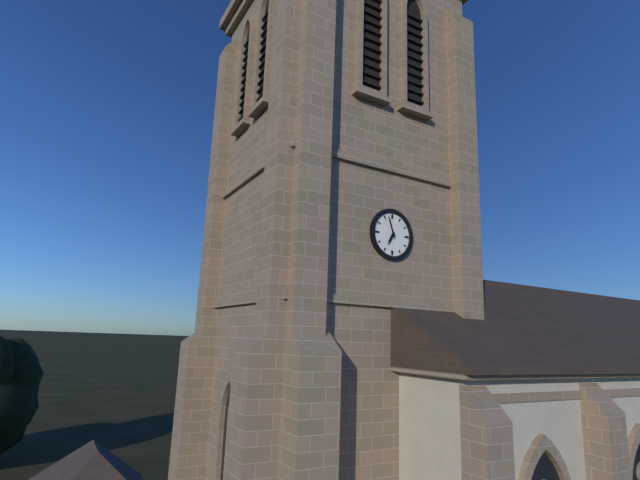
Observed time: 6:57
